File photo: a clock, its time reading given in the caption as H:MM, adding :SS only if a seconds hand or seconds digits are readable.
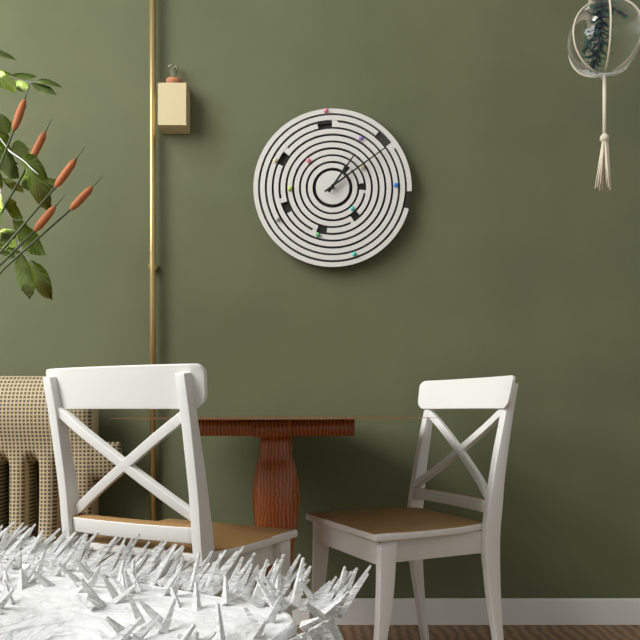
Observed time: 1:09
